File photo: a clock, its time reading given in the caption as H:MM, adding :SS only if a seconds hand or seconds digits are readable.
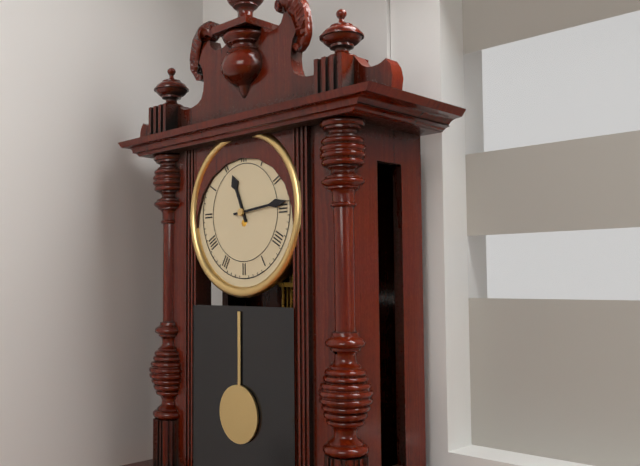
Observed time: 11:14
